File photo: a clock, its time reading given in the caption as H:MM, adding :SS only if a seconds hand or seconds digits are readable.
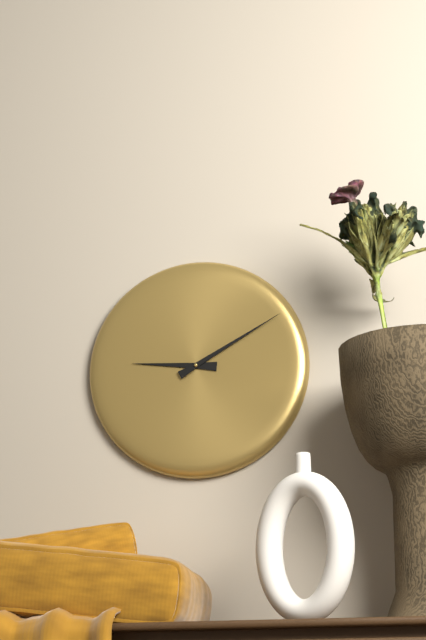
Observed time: 9:10
